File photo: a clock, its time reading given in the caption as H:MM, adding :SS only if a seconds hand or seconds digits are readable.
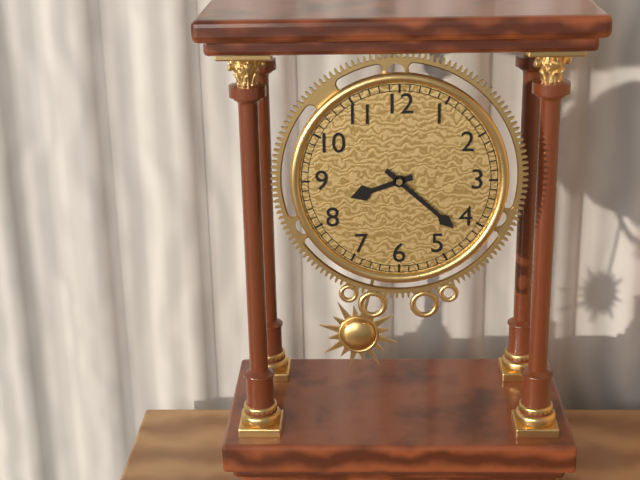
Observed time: 8:22
